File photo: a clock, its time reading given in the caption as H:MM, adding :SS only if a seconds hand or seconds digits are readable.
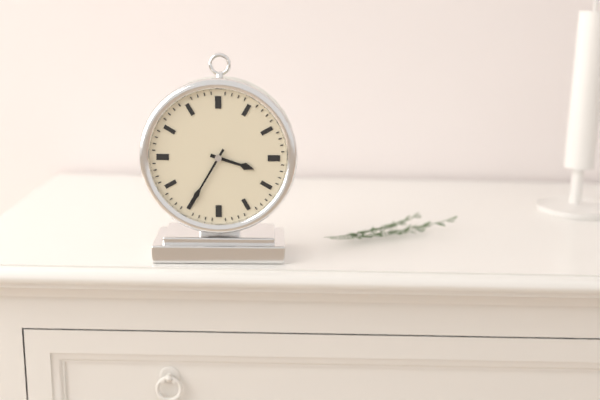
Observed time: 3:35
